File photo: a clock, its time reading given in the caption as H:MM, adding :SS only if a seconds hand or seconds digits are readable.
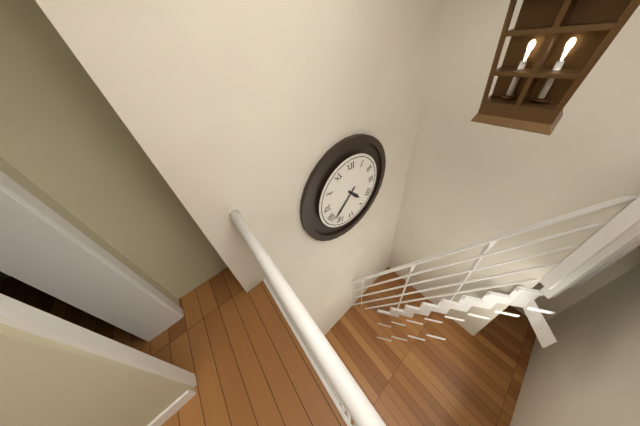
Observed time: 4:38
